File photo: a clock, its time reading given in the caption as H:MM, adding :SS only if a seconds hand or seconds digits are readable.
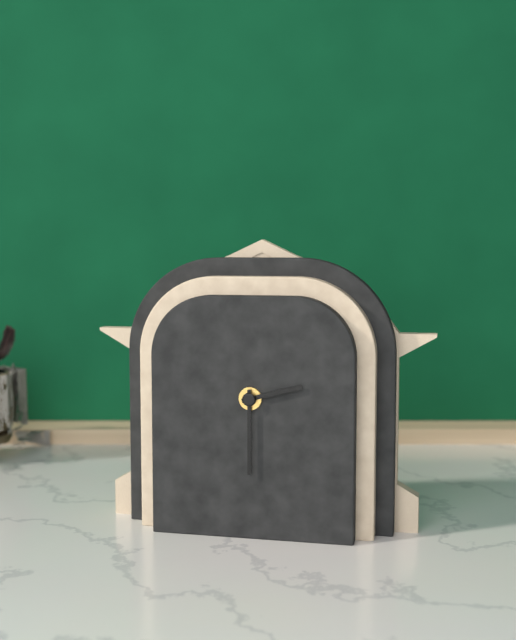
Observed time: 2:30
